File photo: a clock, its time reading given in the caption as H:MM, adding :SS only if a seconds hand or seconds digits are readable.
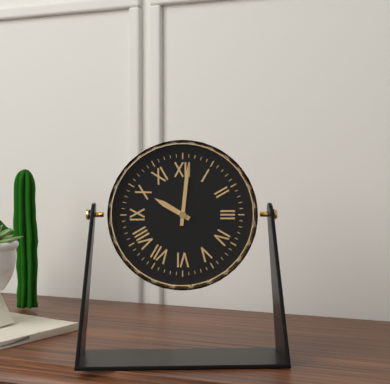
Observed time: 10:01
